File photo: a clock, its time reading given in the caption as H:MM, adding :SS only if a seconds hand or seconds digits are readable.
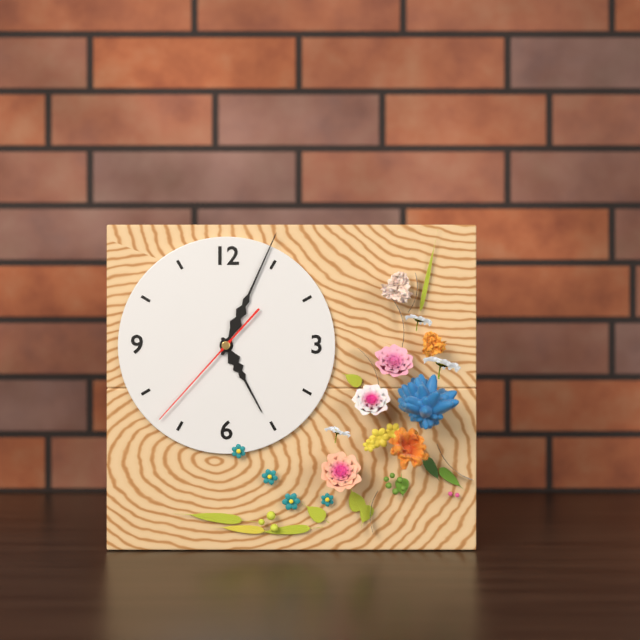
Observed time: 5:04:37
